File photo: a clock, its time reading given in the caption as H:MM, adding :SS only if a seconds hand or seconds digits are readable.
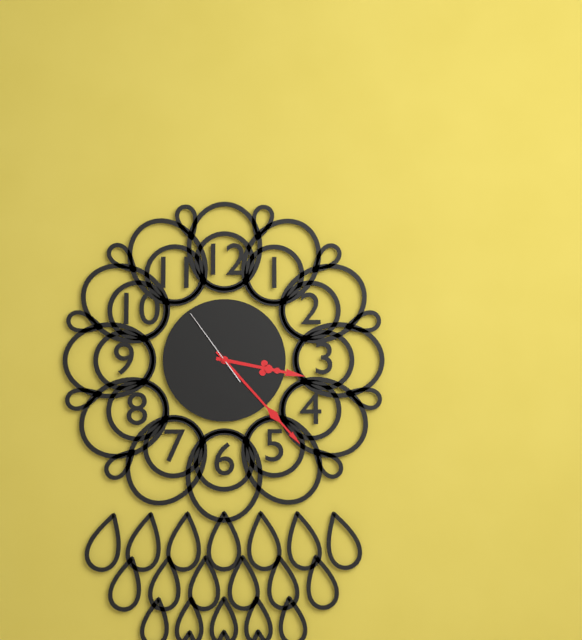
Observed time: 3:23:54
